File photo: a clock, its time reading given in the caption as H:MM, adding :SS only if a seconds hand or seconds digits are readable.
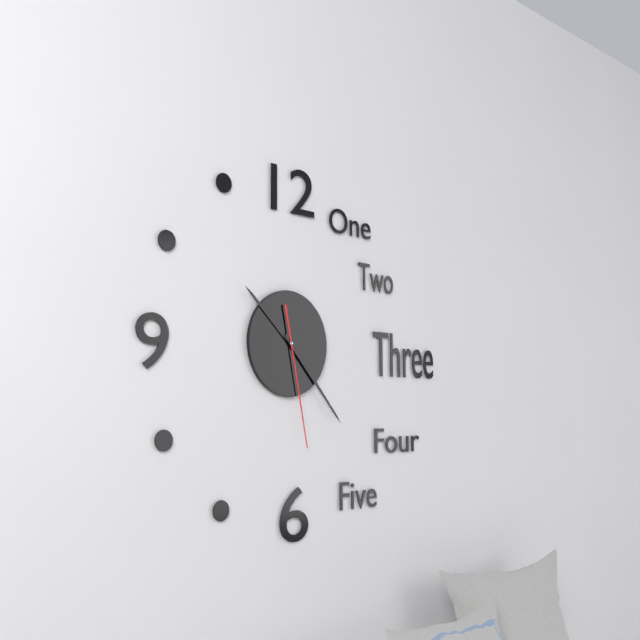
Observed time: 10:23:28
